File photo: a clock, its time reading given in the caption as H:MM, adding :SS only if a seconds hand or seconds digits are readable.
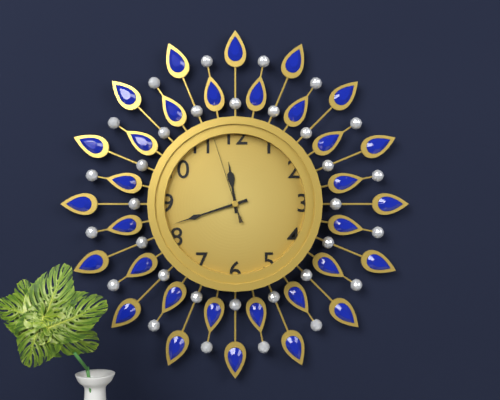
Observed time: 11:42:57
